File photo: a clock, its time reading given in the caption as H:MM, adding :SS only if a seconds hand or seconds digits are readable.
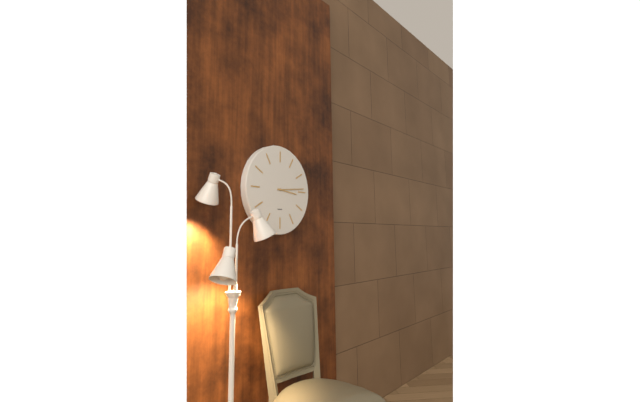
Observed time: 3:14
